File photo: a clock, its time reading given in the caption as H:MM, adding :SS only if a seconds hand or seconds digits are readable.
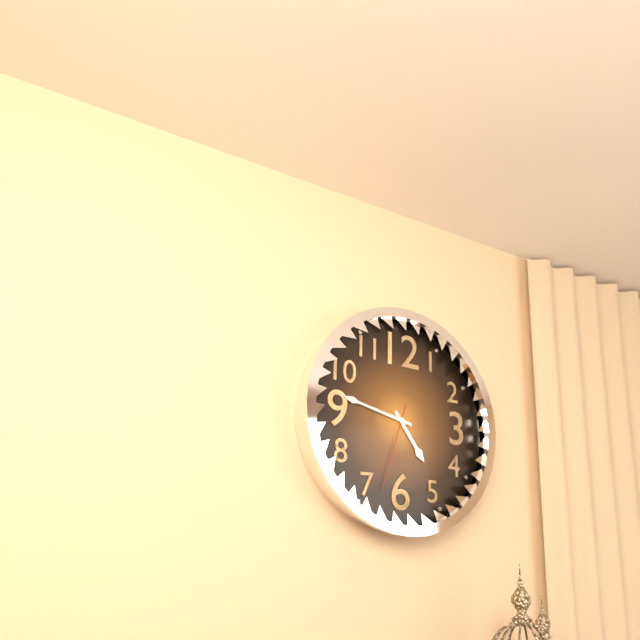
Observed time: 4:47:33
